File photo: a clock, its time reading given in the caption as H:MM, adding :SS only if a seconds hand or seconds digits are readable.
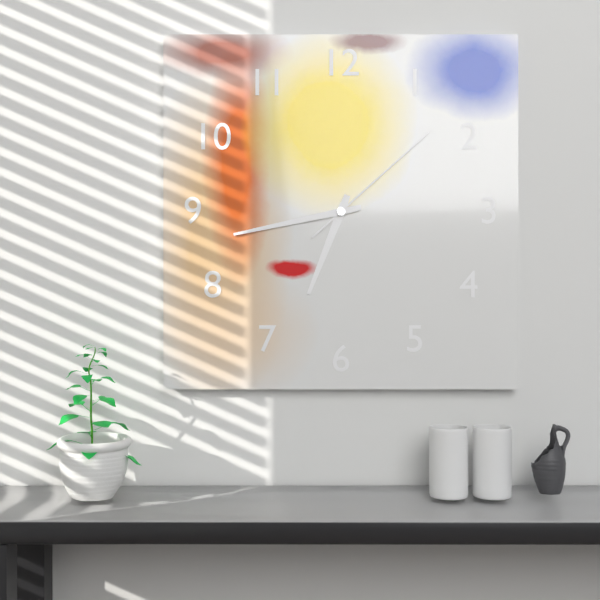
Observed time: 6:43:08
